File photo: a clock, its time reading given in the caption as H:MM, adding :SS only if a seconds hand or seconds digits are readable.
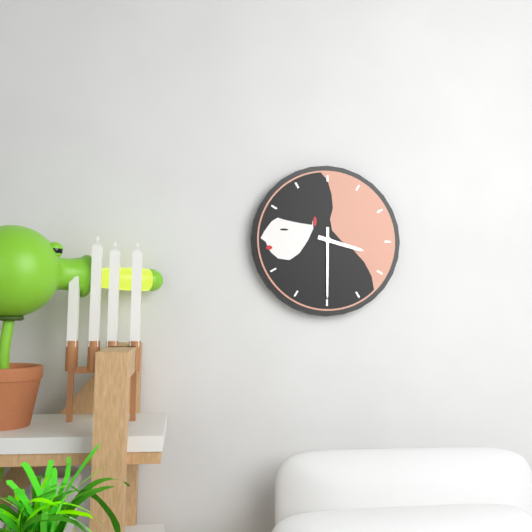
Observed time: 3:30
